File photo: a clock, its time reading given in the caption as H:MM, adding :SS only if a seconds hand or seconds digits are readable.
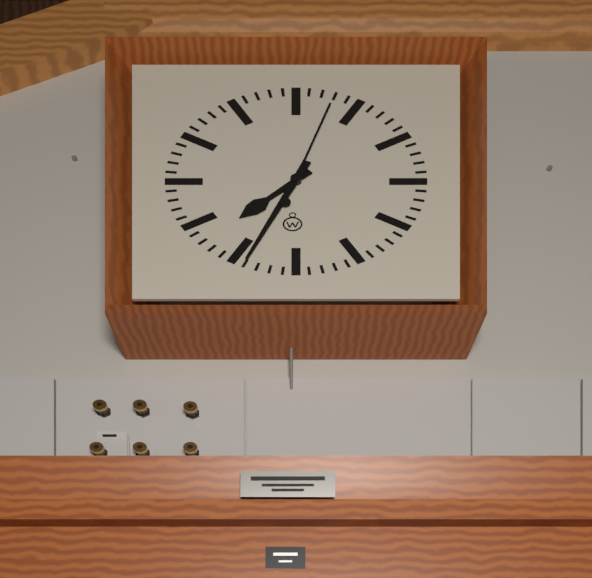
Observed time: 7:34:03
